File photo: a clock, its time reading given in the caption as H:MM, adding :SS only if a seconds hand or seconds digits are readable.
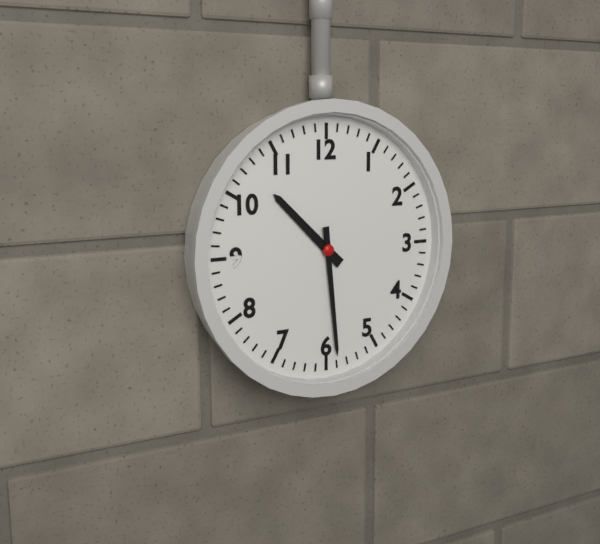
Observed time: 10:29
